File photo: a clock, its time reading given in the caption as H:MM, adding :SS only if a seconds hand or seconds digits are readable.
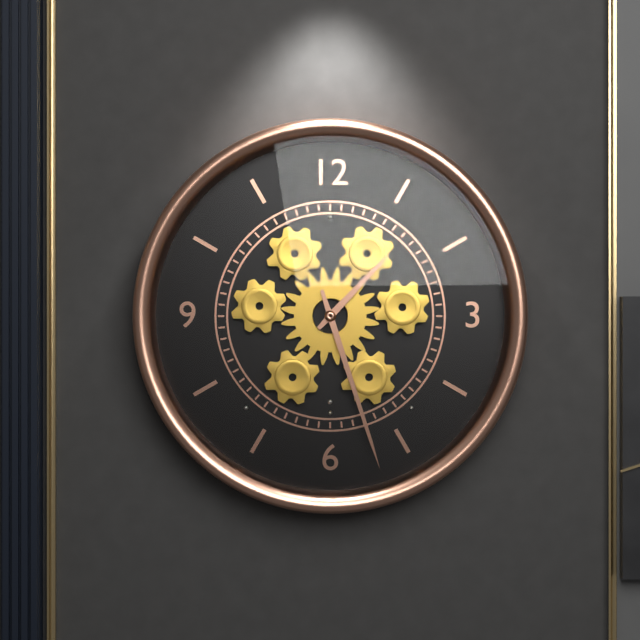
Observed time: 1:27
